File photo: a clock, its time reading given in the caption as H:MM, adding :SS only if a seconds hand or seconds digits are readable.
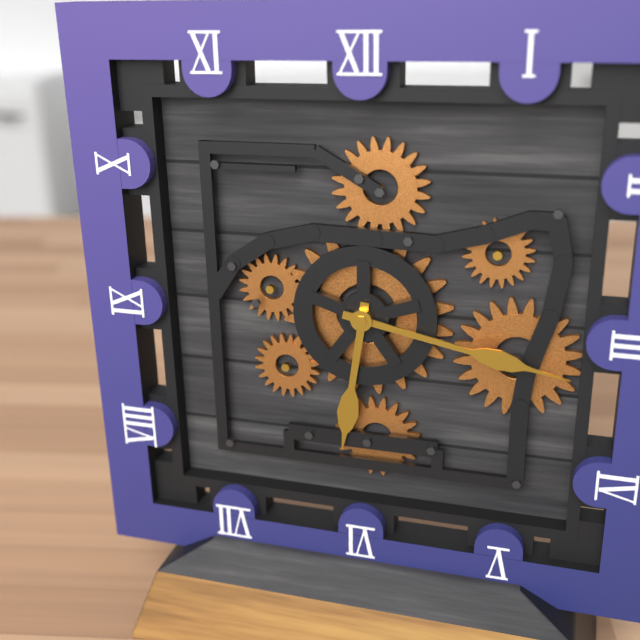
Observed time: 6:17
